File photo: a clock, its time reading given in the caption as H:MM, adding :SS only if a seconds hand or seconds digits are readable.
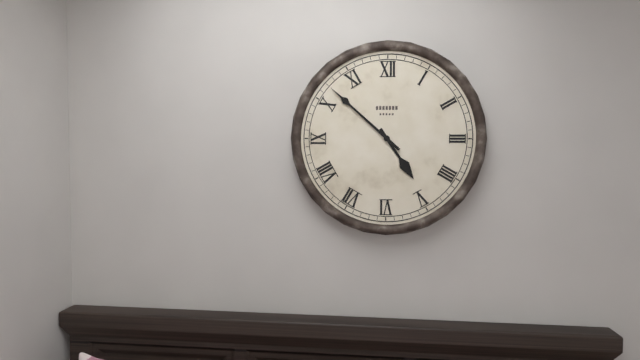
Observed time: 4:52
